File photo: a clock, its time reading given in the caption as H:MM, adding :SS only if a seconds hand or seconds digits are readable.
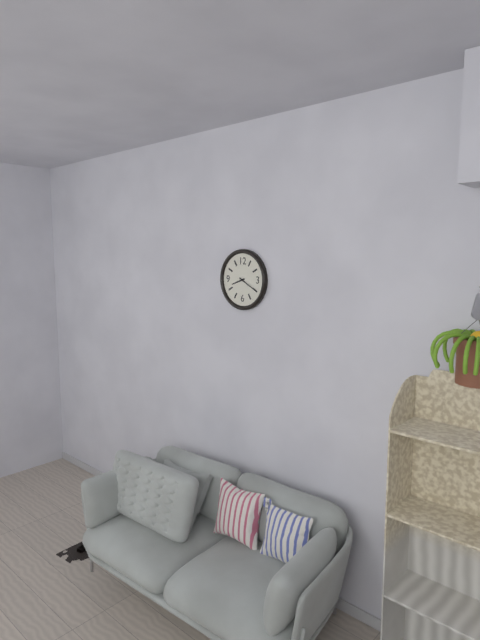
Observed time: 8:20
